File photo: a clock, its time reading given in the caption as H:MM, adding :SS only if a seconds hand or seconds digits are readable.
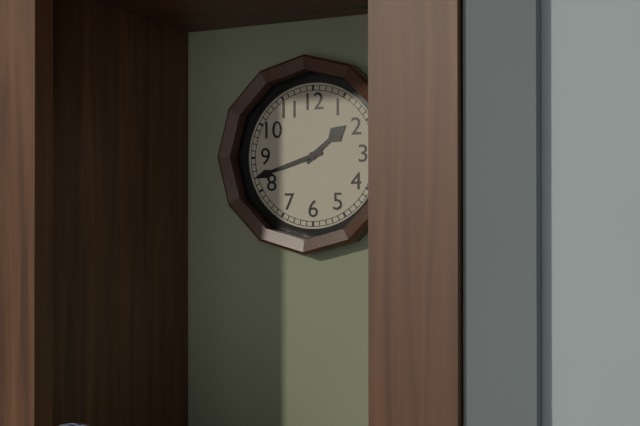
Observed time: 1:42
